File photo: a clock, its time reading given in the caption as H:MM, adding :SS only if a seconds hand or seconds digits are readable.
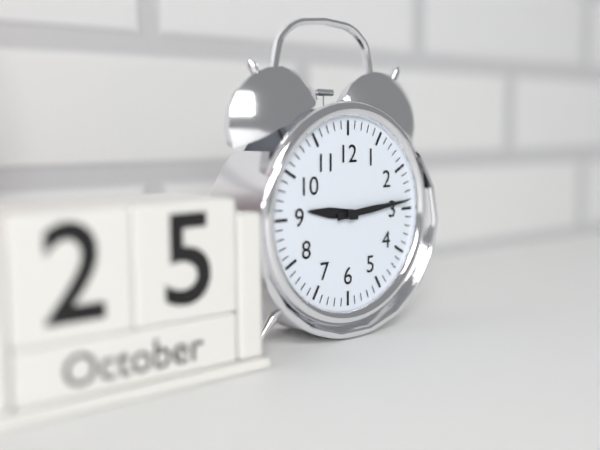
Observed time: 9:14
